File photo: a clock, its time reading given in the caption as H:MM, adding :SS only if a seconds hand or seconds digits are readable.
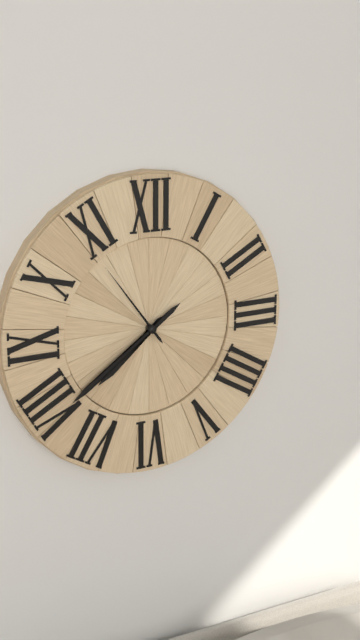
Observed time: 7:39:54
